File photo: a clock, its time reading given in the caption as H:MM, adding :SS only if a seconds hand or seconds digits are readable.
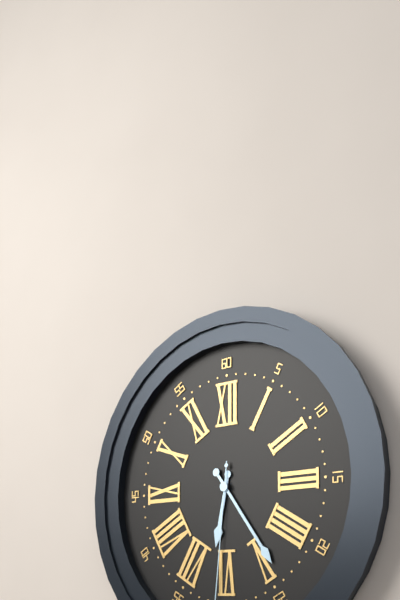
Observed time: 6:24
